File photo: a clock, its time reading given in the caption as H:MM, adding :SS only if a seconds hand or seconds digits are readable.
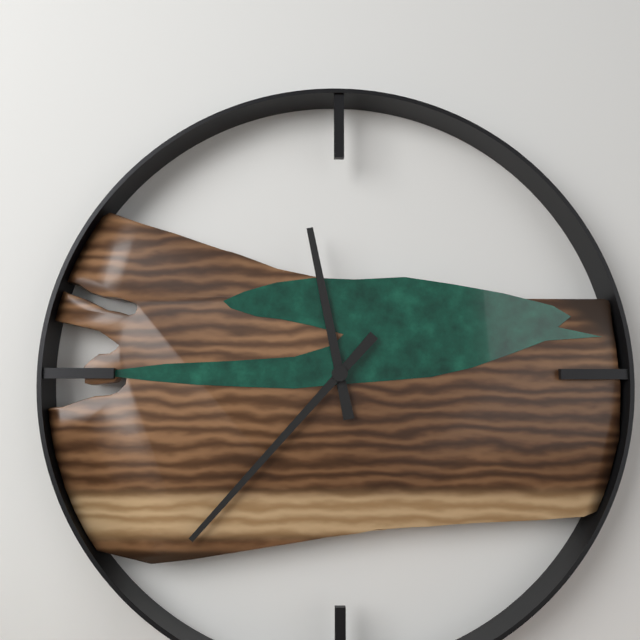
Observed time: 11:37
